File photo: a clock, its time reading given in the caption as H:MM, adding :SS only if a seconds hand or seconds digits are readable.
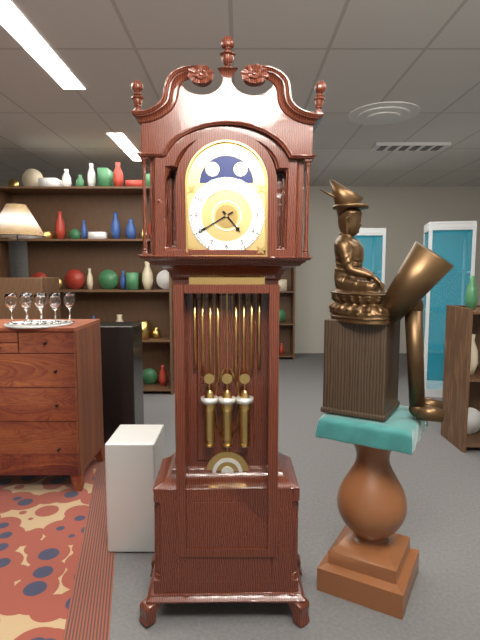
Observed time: 4:40
